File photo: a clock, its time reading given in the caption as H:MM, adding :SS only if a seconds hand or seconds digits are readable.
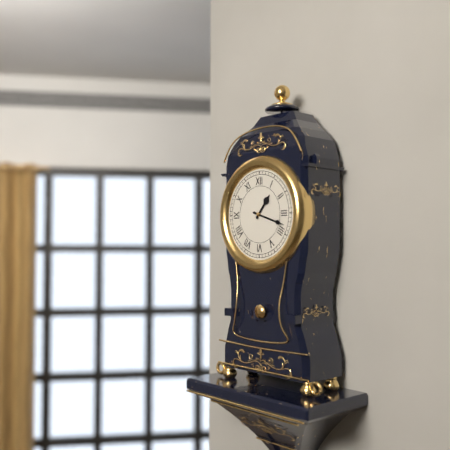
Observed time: 1:18
